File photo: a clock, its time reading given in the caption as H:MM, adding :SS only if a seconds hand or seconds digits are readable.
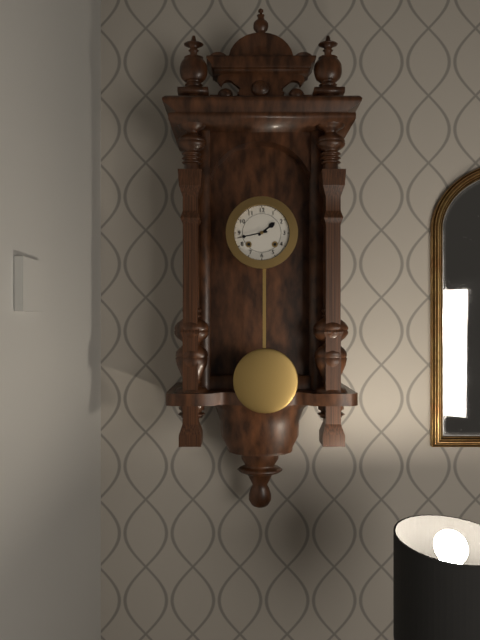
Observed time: 1:43
